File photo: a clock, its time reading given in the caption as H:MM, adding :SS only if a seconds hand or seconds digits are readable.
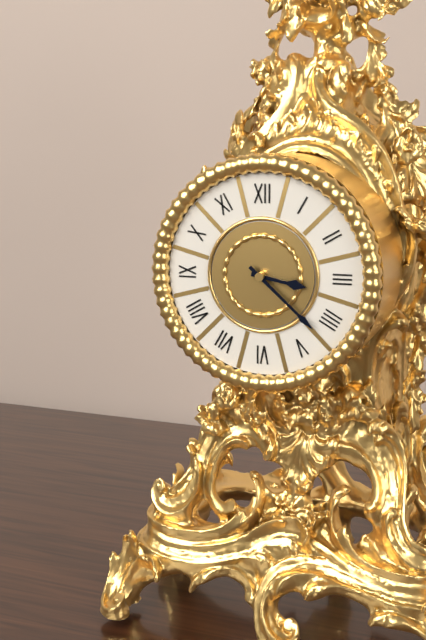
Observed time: 3:22
